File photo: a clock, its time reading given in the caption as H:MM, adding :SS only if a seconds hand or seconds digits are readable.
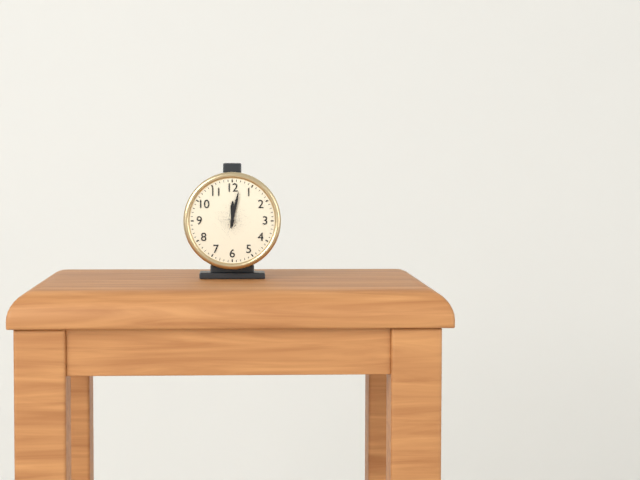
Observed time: 12:02
